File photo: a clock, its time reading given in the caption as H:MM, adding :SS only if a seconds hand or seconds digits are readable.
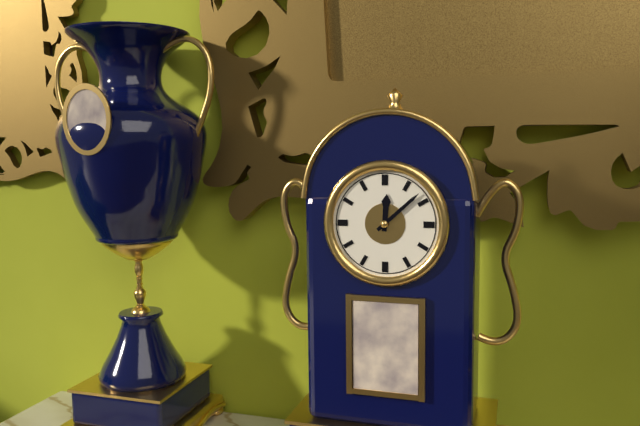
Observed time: 12:08
